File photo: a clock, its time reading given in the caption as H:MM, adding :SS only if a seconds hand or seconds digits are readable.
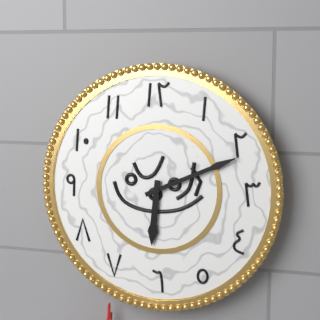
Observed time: 6:11
